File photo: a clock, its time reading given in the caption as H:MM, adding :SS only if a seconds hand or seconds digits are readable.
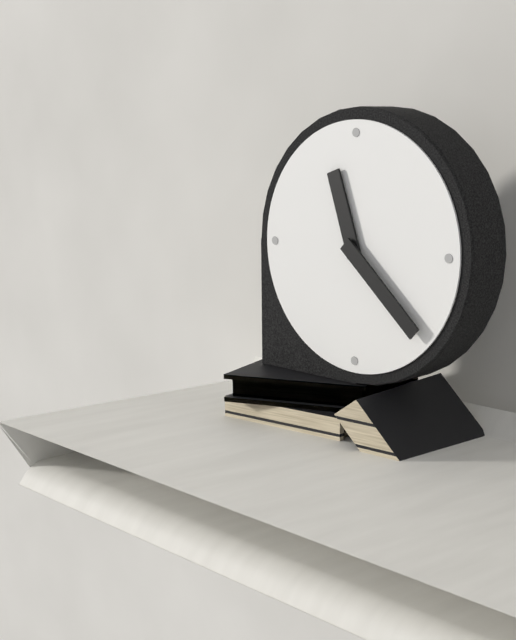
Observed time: 11:22
